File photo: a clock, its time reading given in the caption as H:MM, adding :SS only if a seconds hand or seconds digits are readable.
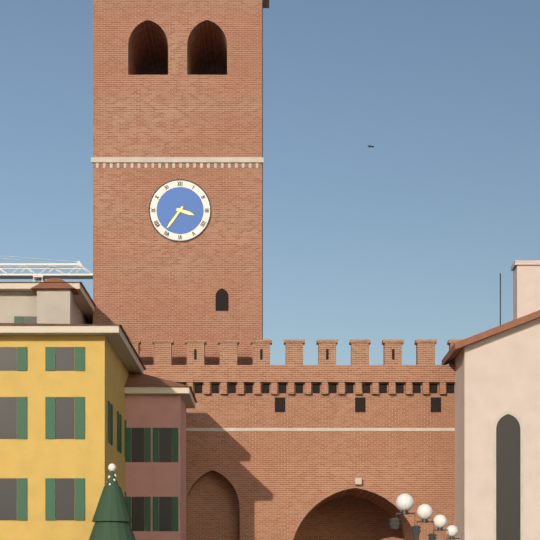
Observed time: 3:36
